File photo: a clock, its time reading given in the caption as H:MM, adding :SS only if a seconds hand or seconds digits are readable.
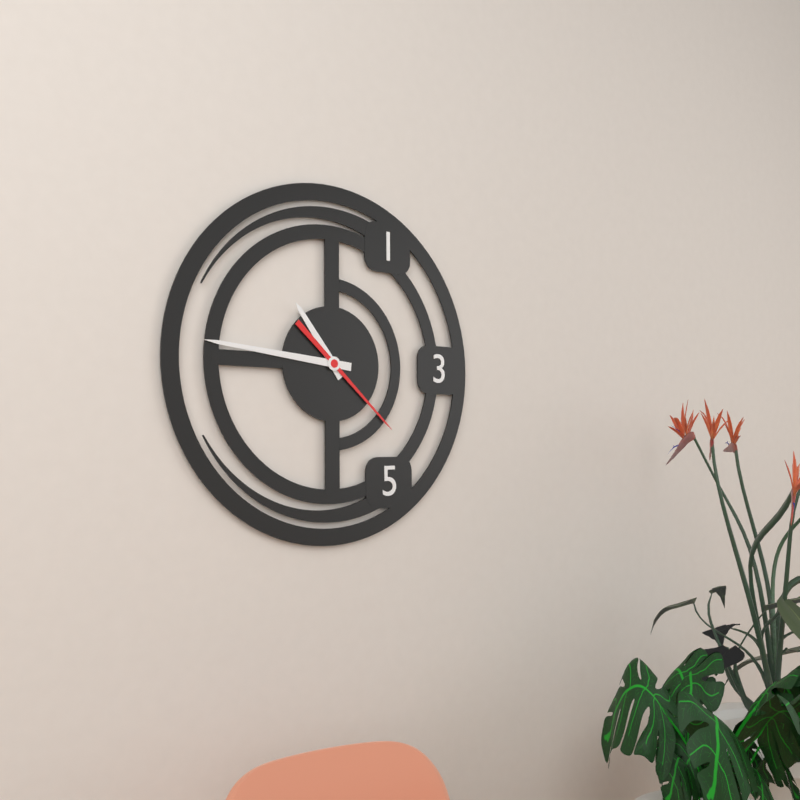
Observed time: 10:46:22
